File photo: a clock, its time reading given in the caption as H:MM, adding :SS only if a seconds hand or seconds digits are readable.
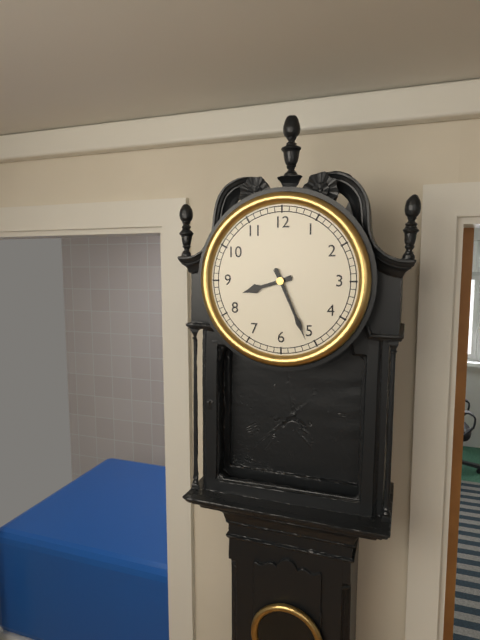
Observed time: 8:26
